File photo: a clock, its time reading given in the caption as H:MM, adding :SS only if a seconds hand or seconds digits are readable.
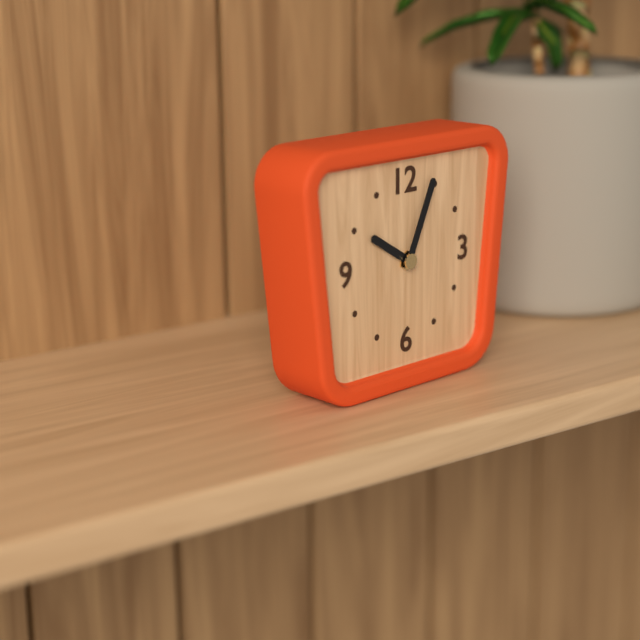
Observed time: 10:04
